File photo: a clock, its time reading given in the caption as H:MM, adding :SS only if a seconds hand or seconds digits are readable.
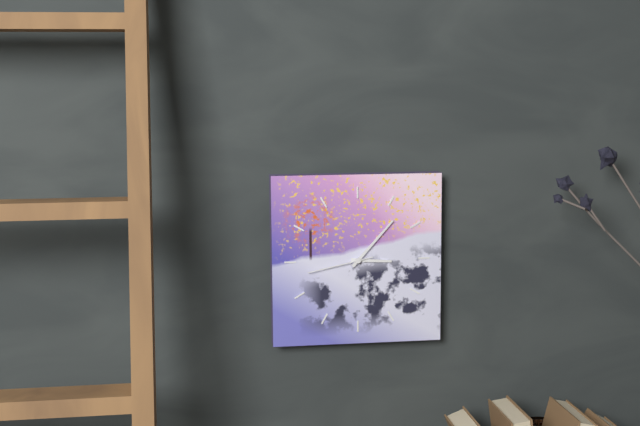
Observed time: 3:07:43
